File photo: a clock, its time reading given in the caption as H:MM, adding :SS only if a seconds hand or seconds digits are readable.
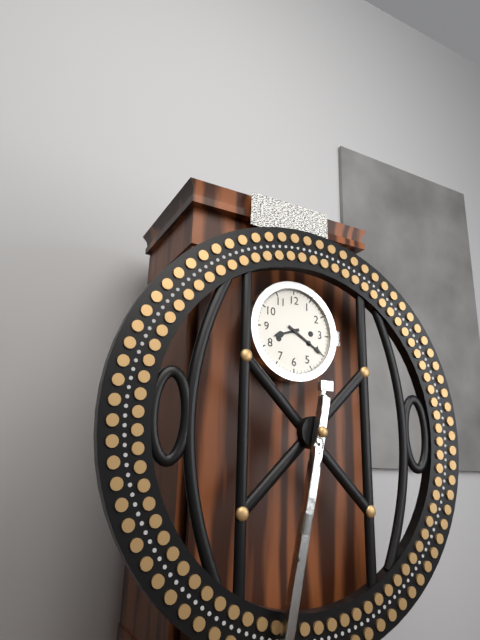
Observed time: 8:20
